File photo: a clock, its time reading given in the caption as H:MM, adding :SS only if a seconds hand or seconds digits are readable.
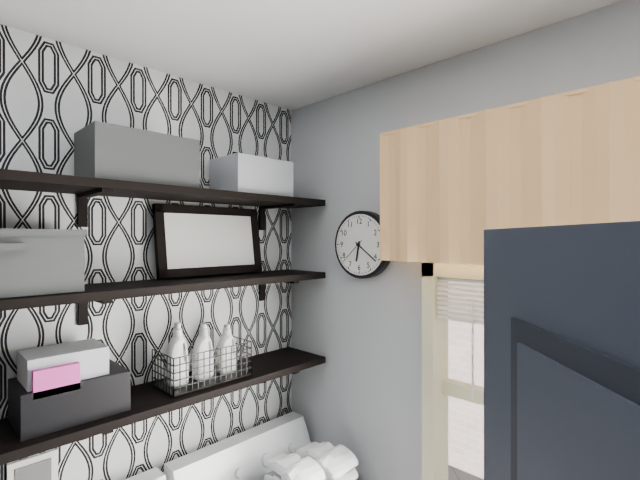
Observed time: 6:21
